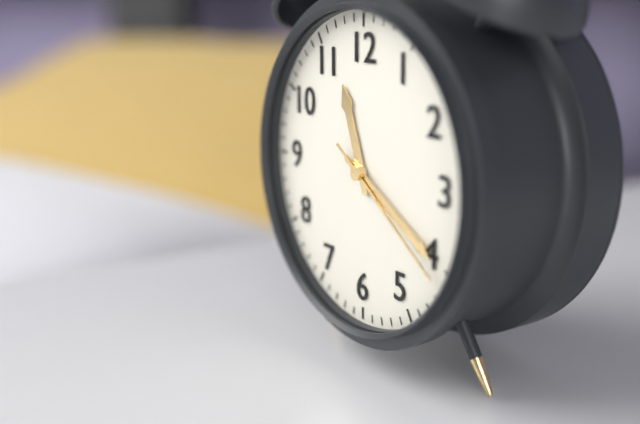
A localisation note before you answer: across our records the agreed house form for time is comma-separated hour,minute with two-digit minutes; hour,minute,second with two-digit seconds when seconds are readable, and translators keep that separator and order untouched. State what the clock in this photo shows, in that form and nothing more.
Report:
11,20,21
